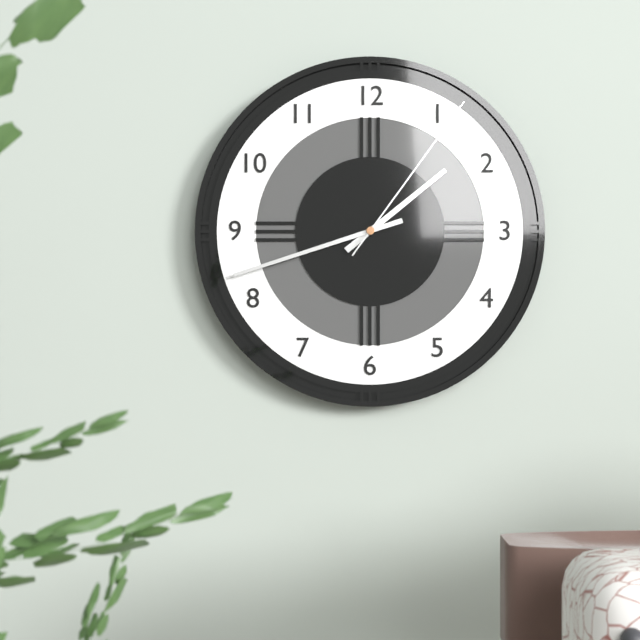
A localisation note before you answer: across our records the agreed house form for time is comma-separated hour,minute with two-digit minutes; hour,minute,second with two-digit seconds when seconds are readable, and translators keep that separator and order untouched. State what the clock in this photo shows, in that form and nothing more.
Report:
1,42,06
